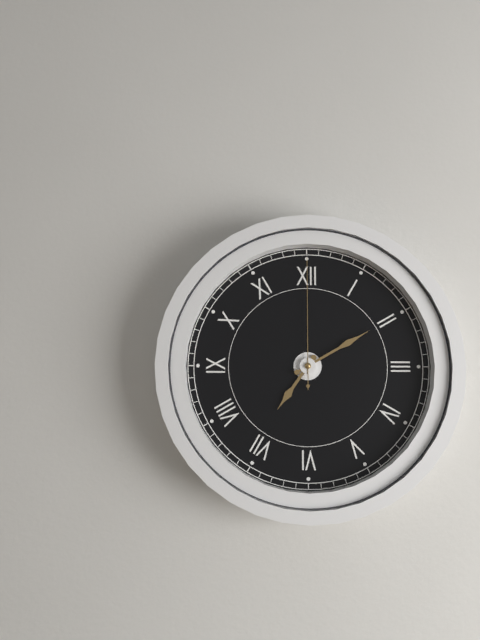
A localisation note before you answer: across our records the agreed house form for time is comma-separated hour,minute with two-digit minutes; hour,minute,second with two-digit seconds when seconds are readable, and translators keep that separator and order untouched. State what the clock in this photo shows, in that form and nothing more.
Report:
7,10,00
